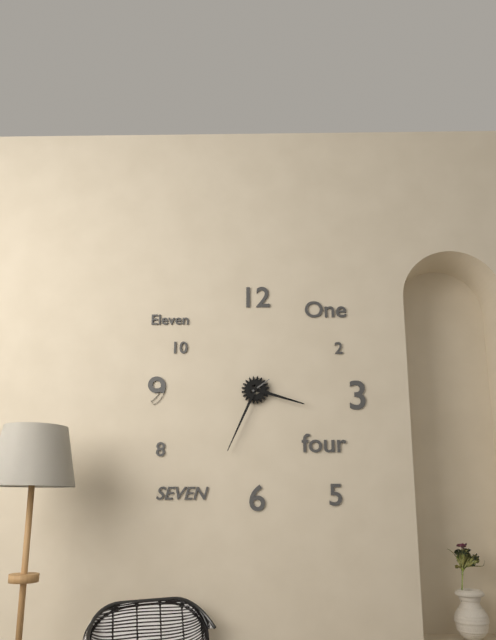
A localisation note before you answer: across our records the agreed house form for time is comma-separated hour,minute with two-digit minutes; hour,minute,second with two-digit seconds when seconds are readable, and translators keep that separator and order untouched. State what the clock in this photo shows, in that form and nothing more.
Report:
3,34
